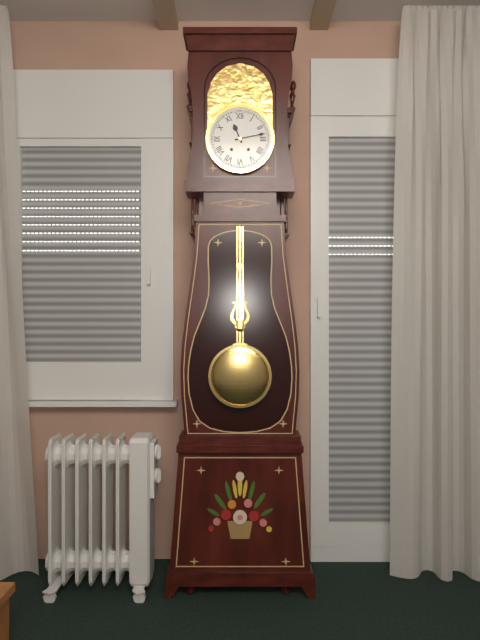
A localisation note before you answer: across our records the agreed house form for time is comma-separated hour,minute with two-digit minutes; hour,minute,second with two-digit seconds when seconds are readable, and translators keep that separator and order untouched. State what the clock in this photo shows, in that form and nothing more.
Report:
11,13
